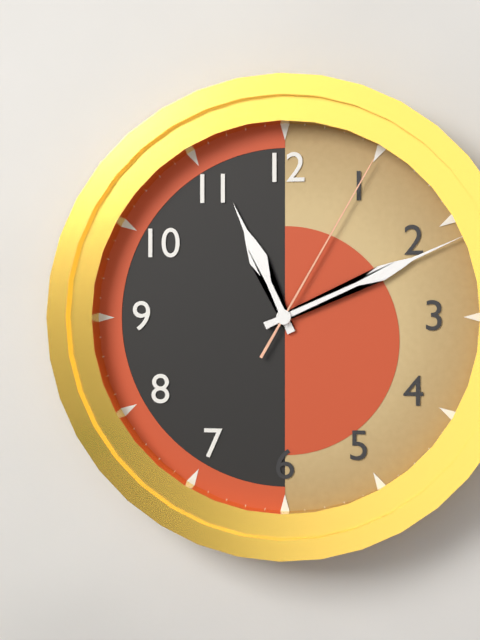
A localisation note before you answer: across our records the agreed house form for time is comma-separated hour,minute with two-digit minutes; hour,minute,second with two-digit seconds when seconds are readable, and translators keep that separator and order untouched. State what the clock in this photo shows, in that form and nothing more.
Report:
11,11,05
